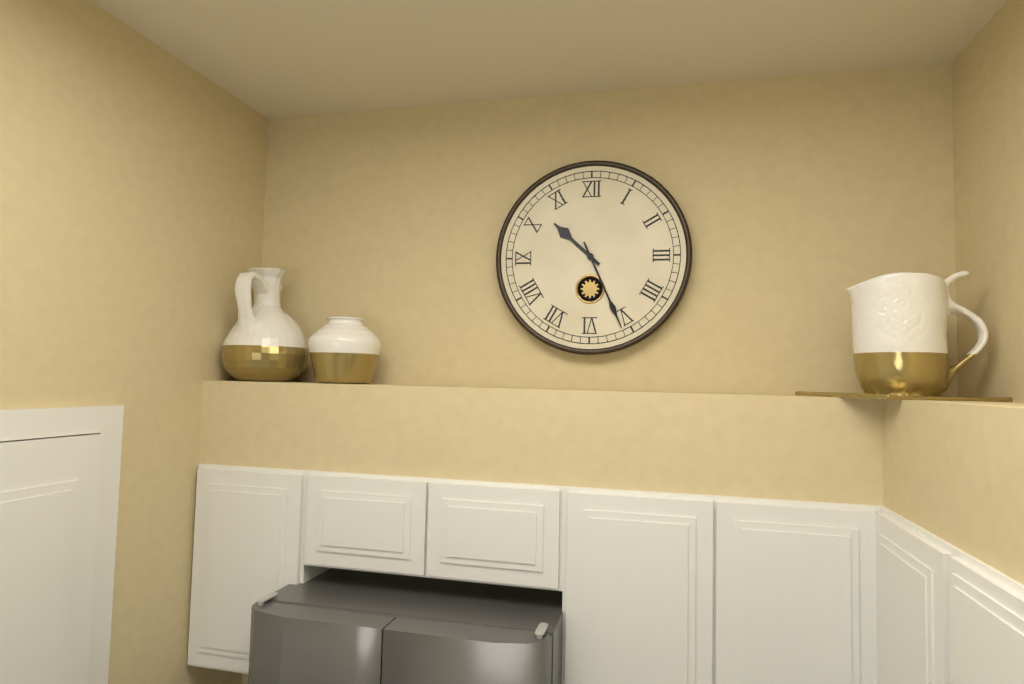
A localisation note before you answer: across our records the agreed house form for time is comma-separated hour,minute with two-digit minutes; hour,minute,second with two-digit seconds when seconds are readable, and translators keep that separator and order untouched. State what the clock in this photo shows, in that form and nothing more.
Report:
10,26
